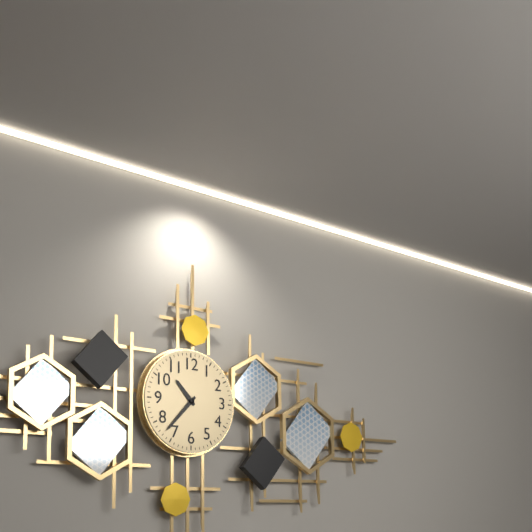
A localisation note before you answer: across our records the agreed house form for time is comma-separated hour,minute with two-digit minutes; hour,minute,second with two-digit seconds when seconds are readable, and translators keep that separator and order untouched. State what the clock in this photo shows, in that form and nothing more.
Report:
10,37
